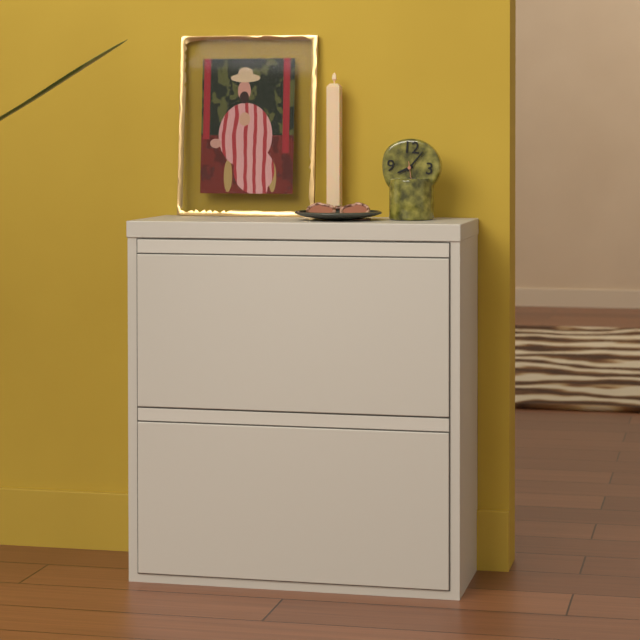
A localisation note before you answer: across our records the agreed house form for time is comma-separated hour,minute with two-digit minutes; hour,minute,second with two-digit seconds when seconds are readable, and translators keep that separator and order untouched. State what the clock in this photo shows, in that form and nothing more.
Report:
8,06
